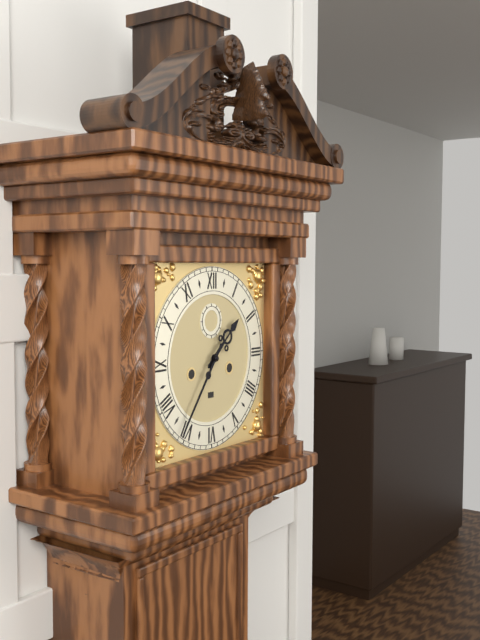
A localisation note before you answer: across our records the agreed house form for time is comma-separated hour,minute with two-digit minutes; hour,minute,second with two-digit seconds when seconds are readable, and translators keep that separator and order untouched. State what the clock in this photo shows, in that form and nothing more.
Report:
1,36
